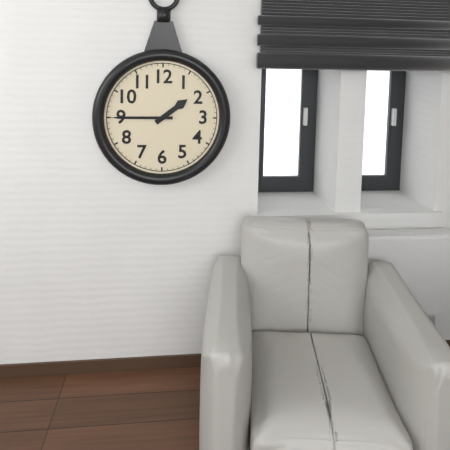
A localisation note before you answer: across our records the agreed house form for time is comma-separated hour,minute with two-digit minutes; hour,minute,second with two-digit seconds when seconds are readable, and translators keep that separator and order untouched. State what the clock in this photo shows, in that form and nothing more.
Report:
1,45
